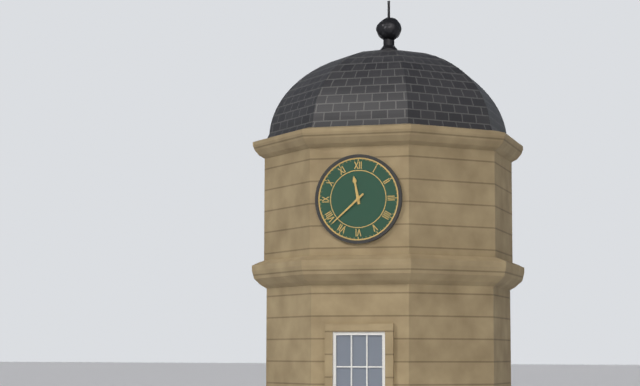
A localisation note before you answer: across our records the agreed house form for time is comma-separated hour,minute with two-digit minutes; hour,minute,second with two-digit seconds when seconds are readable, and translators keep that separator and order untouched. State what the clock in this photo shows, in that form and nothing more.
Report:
11,38
